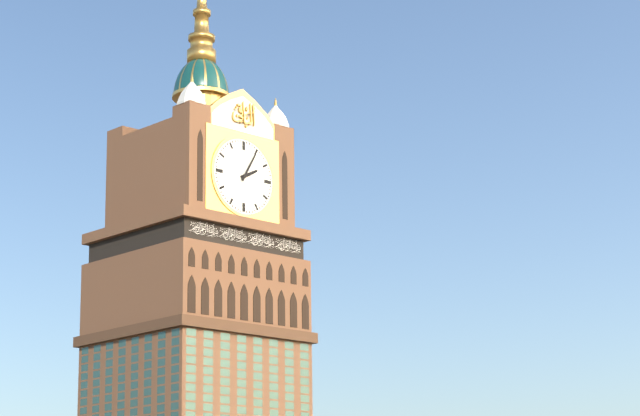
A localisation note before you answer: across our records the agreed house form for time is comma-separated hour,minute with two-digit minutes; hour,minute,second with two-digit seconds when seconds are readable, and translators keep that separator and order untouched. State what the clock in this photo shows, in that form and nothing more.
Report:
2,05
